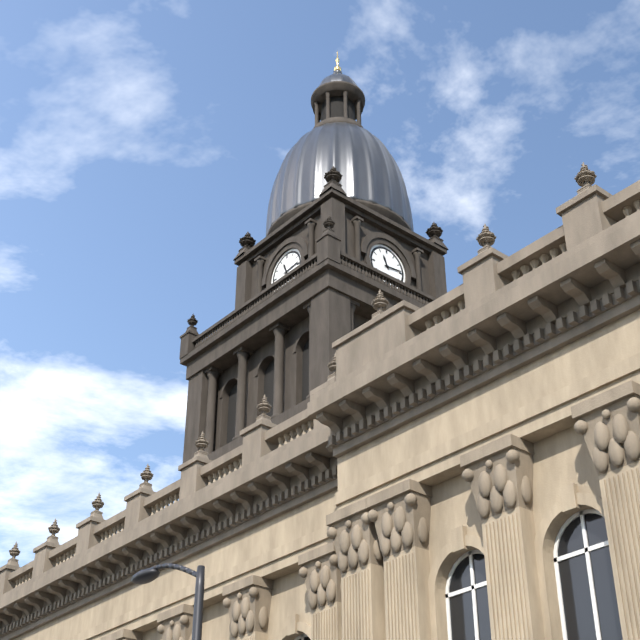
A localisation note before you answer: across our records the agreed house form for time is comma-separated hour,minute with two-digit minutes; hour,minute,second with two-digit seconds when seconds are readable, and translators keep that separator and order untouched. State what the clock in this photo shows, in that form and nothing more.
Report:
11,14
